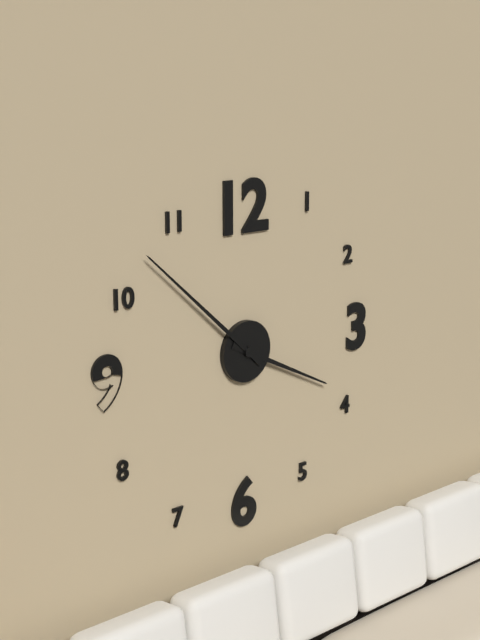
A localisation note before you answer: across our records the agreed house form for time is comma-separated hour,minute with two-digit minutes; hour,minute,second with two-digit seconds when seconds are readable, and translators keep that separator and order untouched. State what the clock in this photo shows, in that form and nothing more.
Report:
3,52
